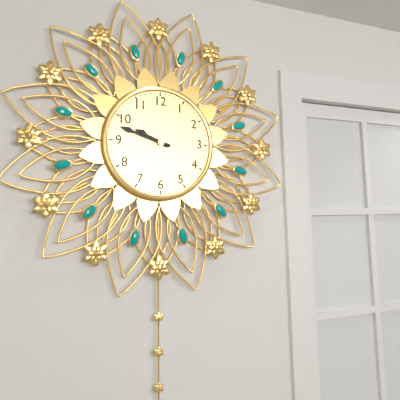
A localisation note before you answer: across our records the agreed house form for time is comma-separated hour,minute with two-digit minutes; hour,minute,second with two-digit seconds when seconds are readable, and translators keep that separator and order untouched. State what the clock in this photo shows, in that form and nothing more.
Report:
9,48
